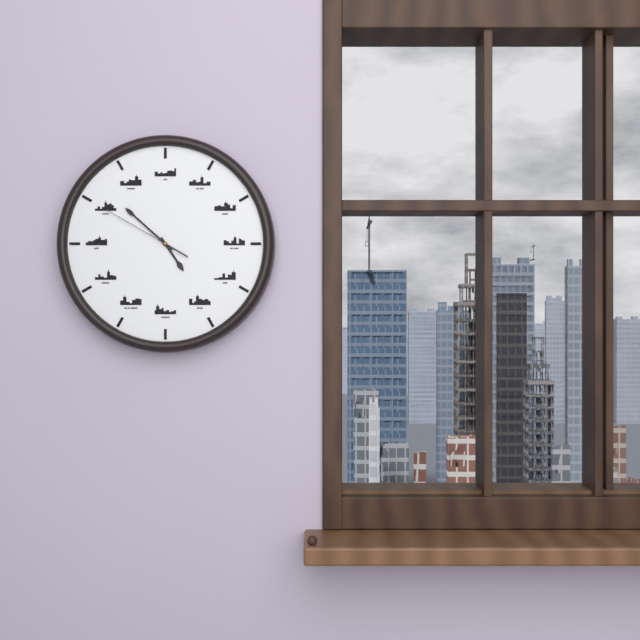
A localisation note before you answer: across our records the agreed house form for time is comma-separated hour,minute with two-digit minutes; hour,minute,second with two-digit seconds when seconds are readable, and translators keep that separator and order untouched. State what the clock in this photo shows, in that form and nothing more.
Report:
4,52,50
